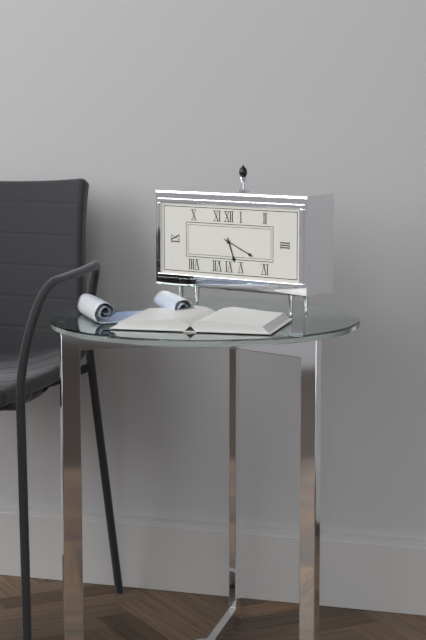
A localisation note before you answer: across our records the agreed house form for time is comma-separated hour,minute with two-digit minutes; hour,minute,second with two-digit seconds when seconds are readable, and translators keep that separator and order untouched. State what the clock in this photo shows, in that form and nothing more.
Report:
5,19
